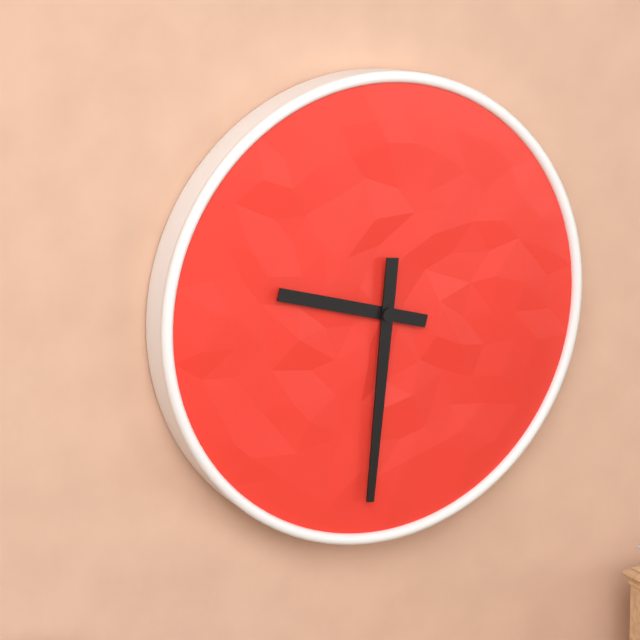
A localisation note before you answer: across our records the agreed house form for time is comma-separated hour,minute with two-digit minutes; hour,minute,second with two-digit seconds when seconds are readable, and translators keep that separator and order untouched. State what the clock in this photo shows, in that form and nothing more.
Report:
9,31
